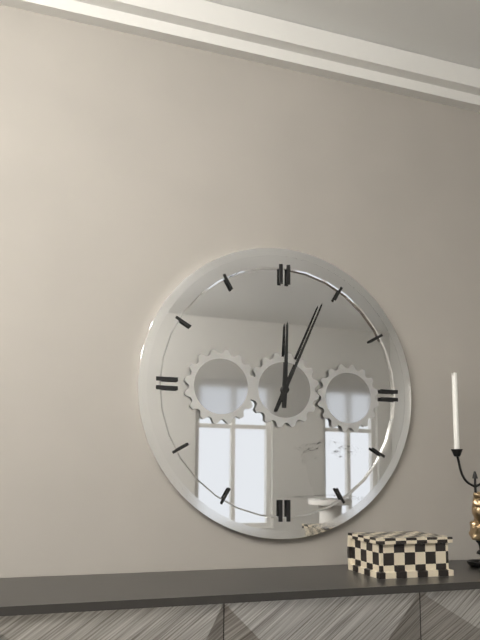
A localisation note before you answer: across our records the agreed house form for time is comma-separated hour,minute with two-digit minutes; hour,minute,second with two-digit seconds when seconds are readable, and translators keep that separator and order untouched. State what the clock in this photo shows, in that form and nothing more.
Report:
12,04
